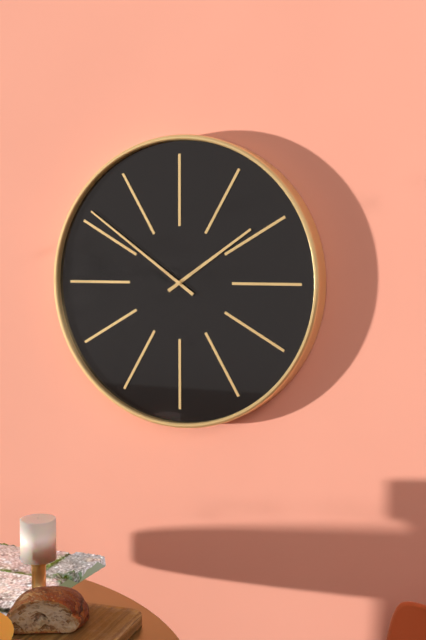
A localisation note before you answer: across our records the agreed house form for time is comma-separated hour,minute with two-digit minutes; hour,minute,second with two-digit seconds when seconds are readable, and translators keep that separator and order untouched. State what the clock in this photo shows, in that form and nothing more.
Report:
1,51
